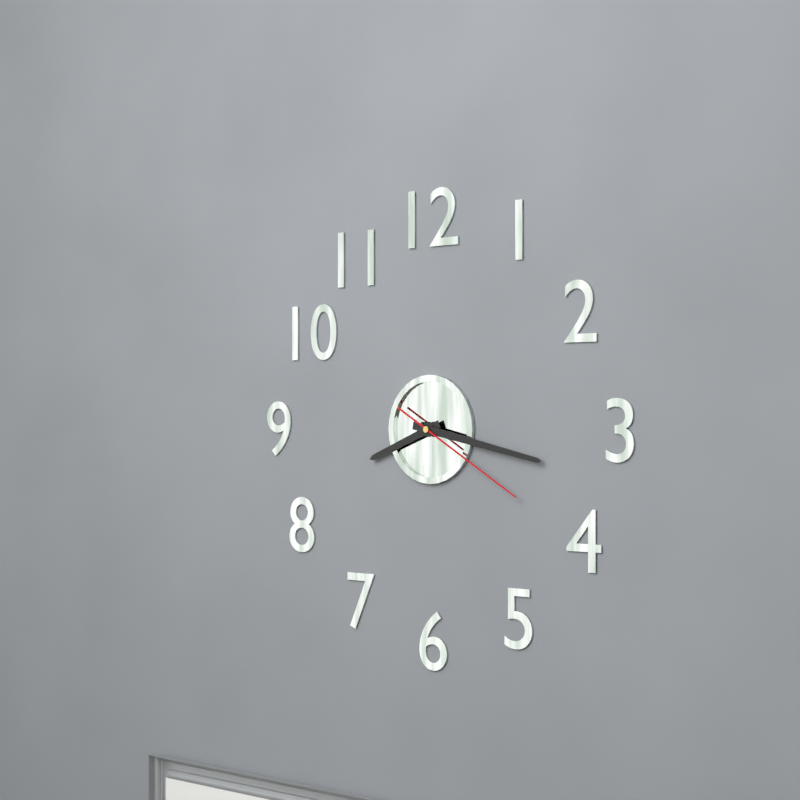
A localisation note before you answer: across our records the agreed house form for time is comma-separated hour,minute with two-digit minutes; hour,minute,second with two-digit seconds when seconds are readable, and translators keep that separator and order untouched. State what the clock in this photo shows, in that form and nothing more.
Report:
8,17,20
